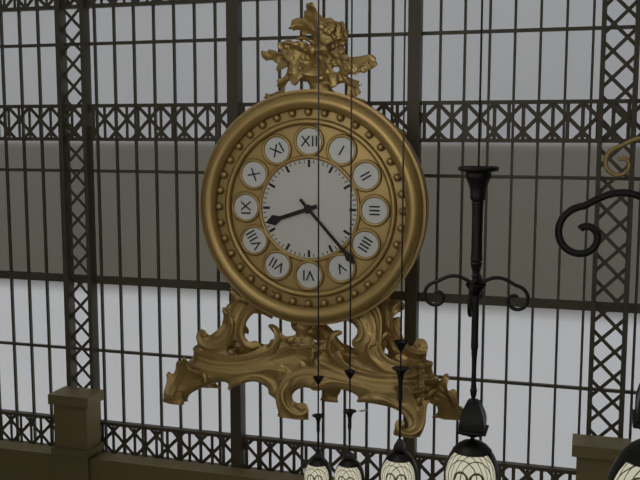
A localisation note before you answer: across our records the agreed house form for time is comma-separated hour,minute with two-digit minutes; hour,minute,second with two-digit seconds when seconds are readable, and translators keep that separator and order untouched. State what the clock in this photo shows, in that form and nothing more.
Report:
8,23
